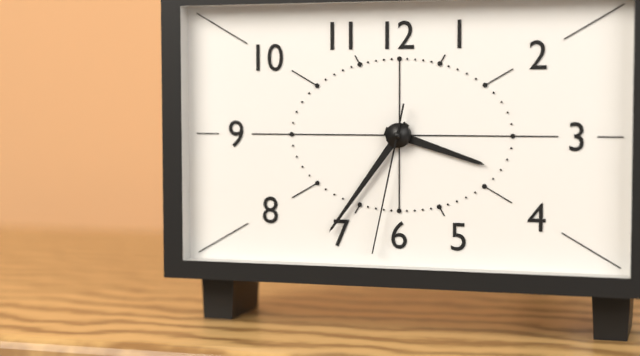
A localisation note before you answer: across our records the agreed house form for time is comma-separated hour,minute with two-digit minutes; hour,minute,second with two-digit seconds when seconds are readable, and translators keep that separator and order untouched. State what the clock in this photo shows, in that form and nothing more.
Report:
3,36,32
